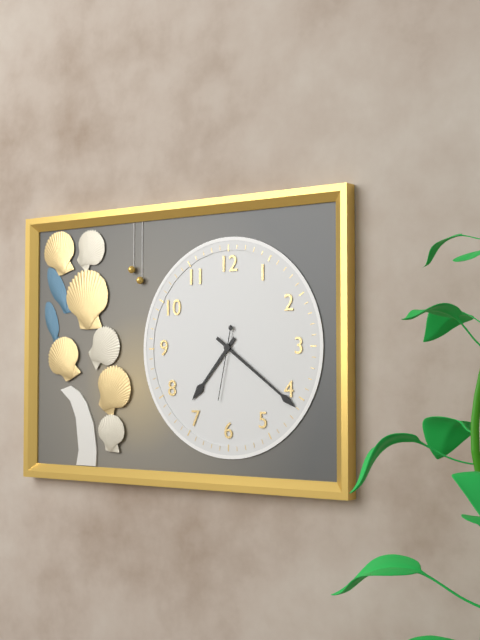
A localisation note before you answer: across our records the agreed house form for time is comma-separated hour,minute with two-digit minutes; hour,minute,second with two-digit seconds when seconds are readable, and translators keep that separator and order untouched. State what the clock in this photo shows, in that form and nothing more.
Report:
7,21,32
